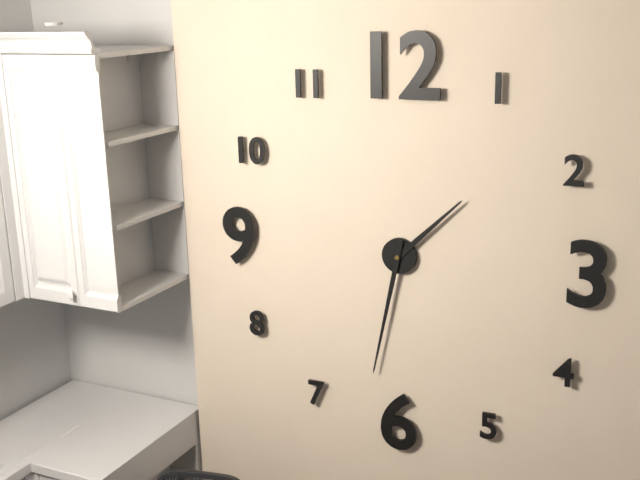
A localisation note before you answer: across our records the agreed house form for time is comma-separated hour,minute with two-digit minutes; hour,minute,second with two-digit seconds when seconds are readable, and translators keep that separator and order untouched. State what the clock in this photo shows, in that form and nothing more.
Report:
1,32
